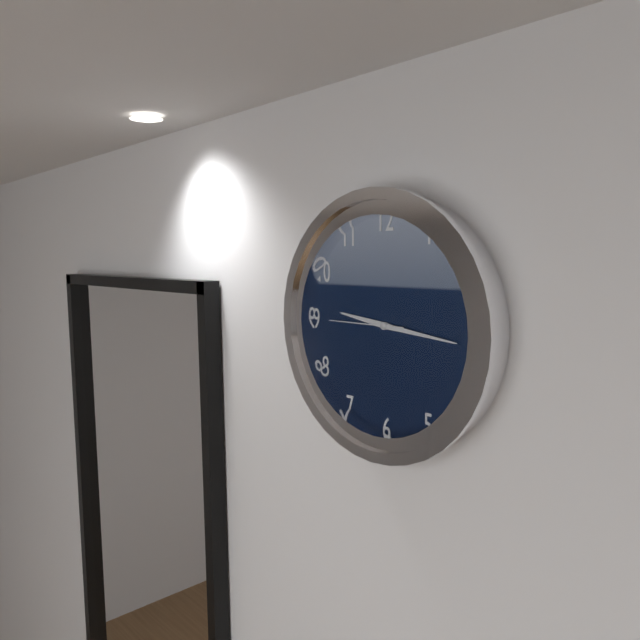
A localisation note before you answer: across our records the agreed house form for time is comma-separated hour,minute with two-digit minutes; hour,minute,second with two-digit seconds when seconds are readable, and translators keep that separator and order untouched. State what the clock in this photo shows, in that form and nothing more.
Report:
9,16,45
